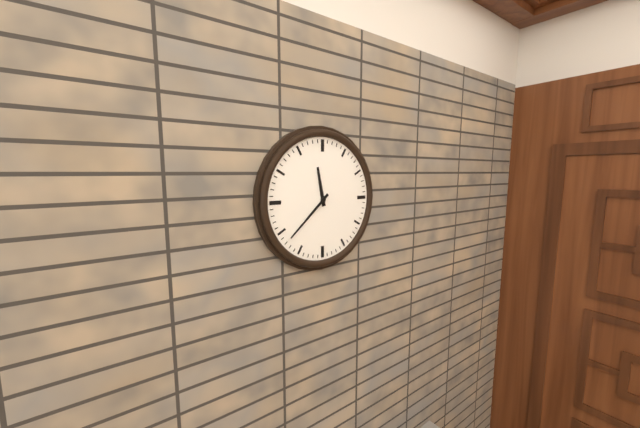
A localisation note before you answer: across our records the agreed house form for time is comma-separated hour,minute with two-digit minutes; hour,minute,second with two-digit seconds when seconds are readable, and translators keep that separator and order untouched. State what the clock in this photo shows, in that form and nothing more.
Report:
11,38
